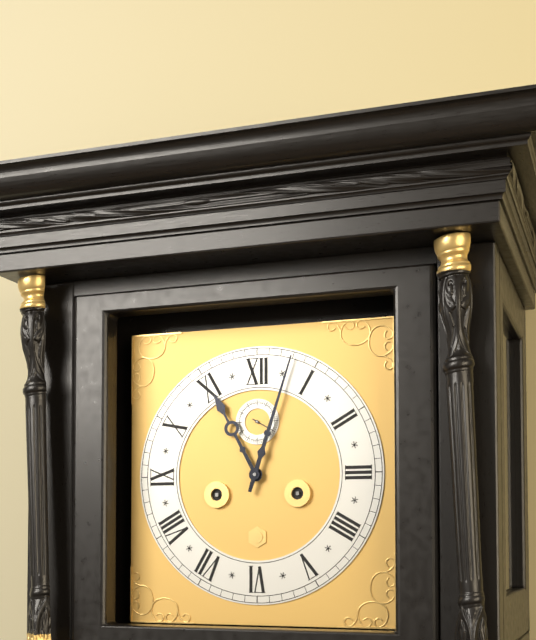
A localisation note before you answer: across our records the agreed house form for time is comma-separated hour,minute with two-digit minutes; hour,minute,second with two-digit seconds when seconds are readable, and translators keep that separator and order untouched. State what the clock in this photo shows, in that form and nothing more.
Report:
11,03
